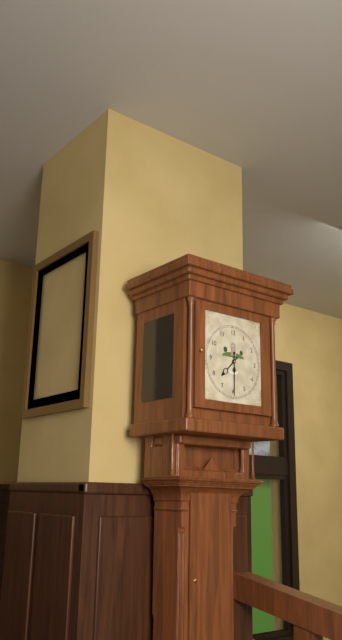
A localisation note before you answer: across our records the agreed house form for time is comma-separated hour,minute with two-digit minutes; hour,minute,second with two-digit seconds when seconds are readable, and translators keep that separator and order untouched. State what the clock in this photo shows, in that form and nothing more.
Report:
7,30
